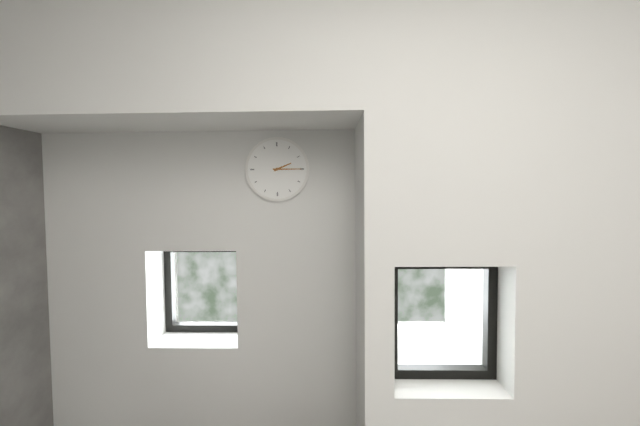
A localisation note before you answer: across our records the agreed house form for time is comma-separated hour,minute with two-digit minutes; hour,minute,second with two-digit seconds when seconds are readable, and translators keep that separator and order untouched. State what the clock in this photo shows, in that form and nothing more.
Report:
2,15
